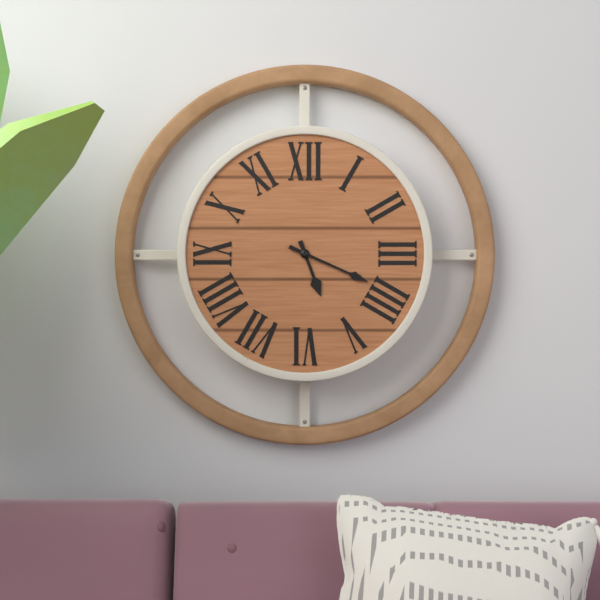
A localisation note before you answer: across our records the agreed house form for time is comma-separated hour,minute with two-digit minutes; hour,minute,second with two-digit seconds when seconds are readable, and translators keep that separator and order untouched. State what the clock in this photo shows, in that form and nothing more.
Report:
5,19
